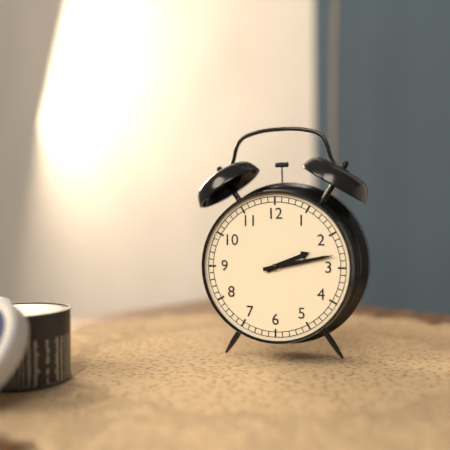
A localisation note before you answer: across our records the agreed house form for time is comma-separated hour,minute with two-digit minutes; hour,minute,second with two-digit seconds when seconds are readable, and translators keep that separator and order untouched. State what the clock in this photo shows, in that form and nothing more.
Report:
2,13
